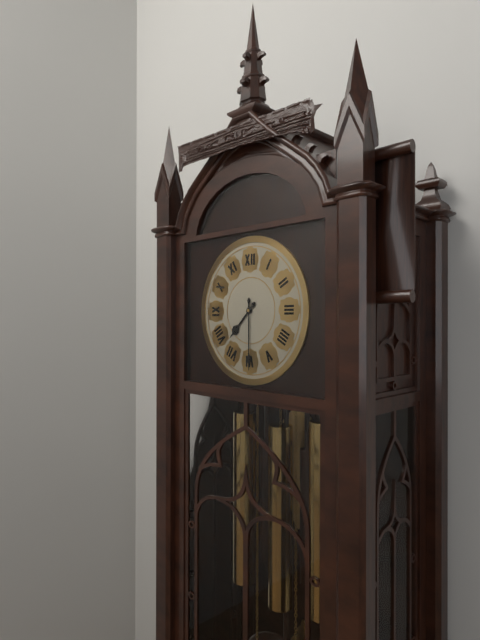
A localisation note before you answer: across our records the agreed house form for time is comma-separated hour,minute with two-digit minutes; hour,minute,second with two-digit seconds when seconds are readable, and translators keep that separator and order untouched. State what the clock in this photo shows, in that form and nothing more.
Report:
7,30
